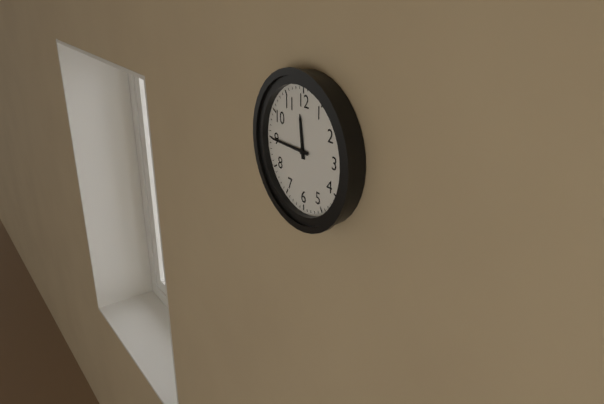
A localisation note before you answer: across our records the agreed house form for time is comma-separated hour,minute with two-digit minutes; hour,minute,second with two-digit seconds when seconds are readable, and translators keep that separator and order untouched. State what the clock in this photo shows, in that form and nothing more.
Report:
11,45
